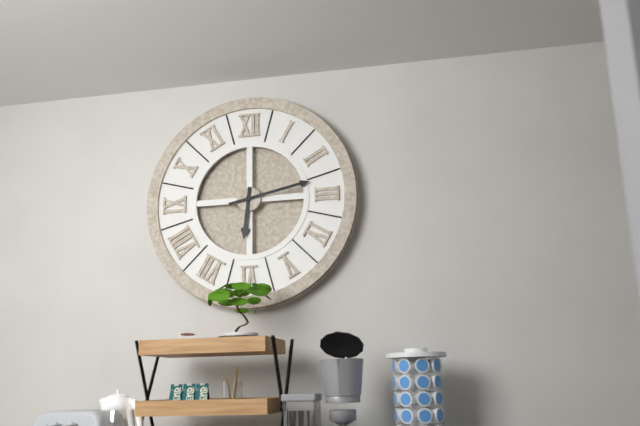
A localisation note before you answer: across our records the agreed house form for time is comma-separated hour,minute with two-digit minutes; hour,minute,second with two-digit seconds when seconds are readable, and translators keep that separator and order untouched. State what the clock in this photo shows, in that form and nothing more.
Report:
6,13
